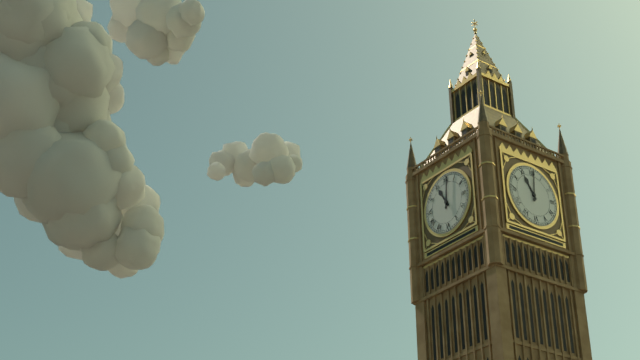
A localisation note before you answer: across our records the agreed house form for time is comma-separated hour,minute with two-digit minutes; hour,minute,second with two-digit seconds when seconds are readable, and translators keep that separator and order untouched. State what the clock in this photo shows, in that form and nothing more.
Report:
11,01
